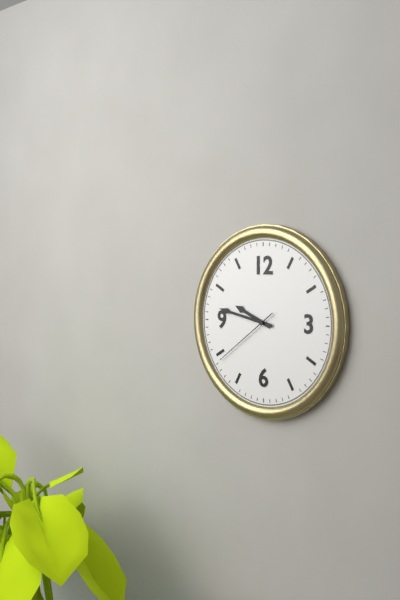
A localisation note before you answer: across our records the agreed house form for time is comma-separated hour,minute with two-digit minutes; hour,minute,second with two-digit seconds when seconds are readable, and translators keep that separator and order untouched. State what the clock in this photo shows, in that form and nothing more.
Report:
9,47,39
